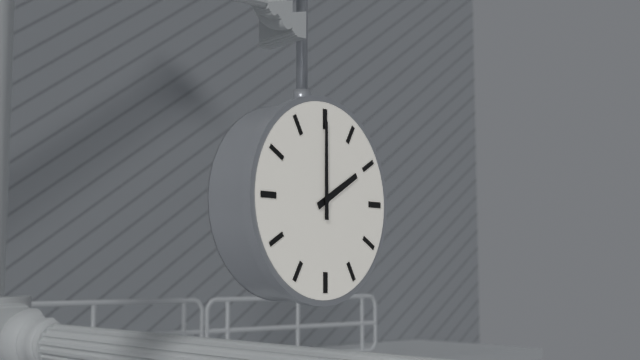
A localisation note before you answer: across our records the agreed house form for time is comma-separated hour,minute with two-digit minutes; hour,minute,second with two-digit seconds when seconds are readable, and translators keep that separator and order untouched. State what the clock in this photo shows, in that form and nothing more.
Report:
2,00
